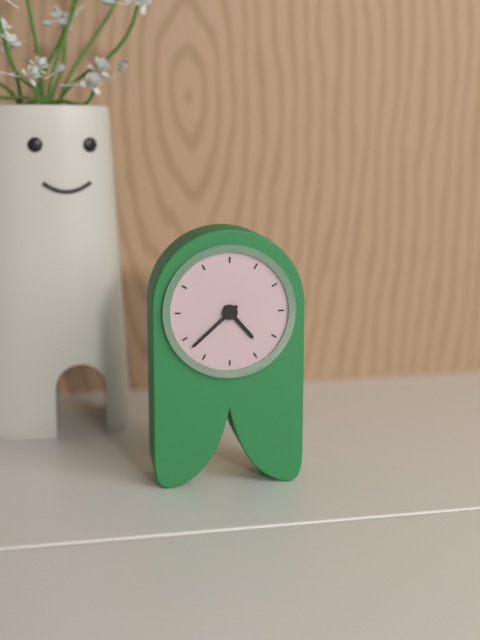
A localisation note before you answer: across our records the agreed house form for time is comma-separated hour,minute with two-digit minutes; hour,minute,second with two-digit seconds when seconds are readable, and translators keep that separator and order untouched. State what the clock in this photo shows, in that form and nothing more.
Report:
4,38
